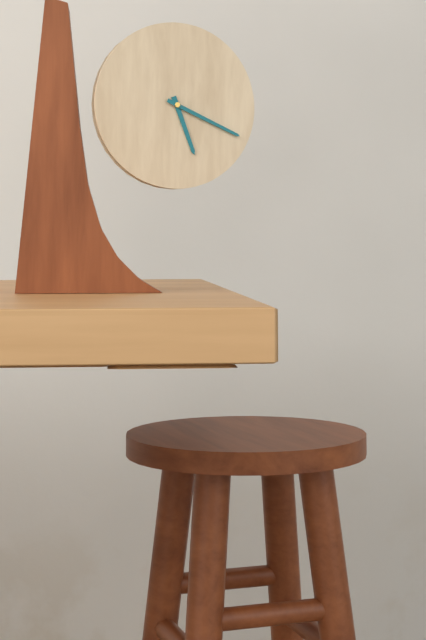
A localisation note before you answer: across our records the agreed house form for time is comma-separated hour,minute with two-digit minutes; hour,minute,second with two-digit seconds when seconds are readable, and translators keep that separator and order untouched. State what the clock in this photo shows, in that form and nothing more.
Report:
5,19
